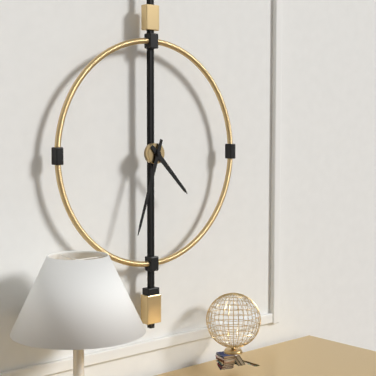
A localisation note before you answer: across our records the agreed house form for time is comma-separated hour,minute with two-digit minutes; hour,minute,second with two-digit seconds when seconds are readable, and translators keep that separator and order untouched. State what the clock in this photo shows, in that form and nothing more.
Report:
4,33
